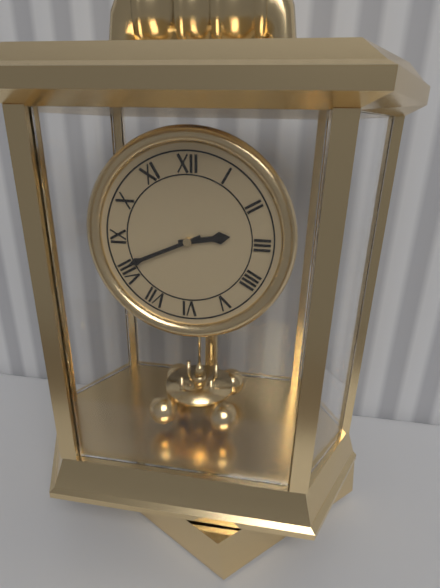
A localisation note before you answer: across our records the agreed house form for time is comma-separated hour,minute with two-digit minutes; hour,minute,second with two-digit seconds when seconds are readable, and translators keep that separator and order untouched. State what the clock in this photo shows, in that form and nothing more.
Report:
2,41
